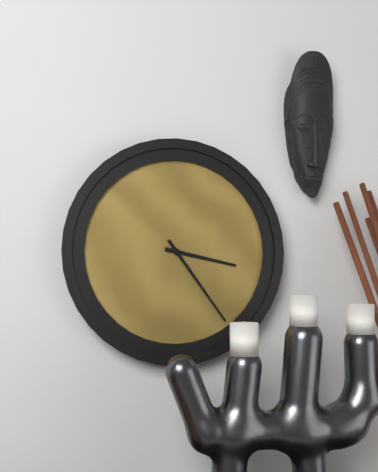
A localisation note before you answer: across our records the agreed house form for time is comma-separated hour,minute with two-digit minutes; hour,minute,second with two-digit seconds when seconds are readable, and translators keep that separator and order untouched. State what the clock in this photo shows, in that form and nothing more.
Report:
3,24
